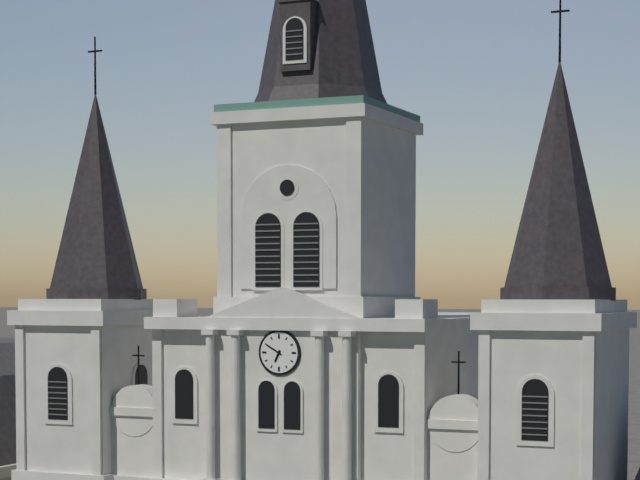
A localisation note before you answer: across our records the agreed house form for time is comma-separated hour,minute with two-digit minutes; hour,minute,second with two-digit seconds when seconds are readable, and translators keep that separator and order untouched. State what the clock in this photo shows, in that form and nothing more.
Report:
6,50
